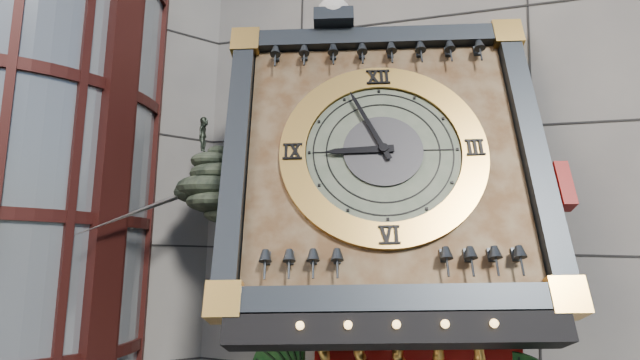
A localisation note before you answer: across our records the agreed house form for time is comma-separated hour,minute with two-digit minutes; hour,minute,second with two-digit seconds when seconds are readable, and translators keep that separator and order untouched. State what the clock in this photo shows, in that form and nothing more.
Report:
8,56
